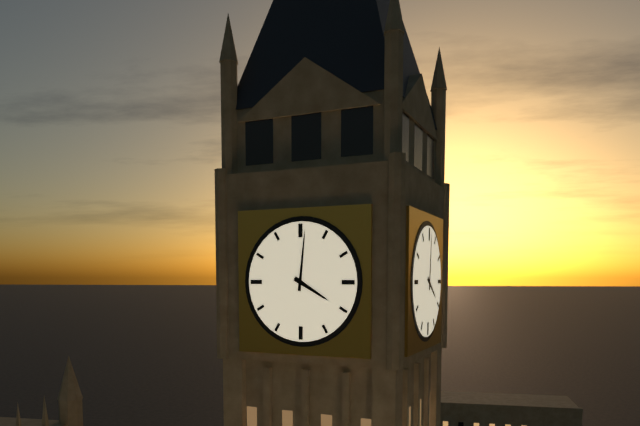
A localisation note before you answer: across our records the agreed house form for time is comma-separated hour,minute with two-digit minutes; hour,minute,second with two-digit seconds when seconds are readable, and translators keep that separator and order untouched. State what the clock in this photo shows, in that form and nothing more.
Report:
4,01
